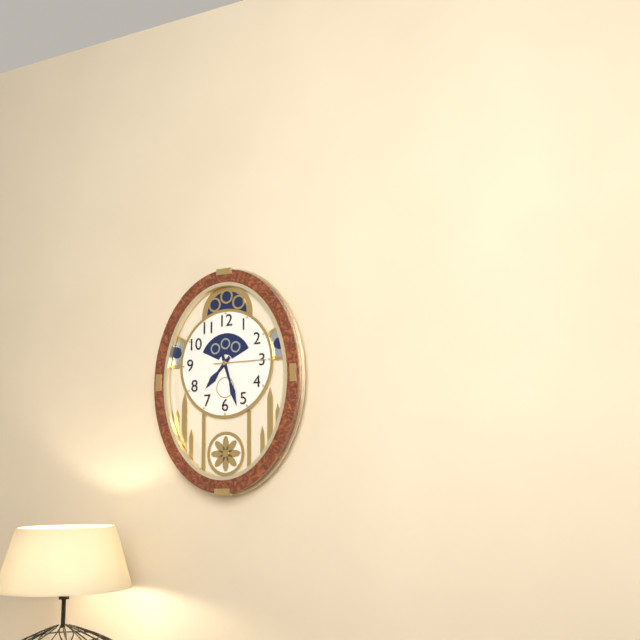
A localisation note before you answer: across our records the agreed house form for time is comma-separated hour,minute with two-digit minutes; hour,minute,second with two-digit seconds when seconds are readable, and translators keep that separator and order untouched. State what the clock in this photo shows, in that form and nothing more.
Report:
7,27
